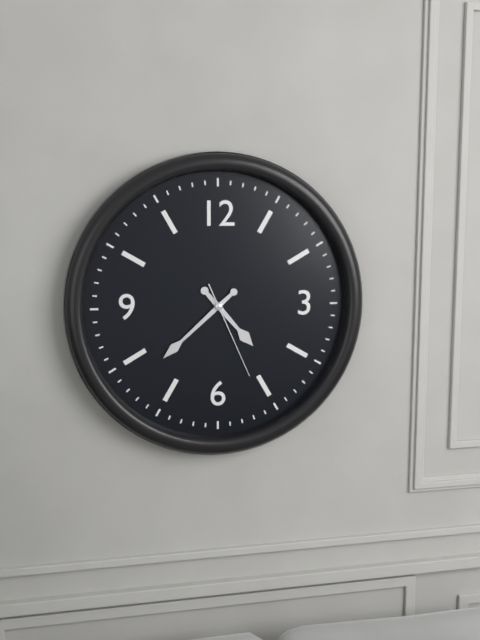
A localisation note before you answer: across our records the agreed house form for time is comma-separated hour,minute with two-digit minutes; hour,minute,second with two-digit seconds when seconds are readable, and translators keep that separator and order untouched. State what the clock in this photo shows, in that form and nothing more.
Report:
4,38,26
